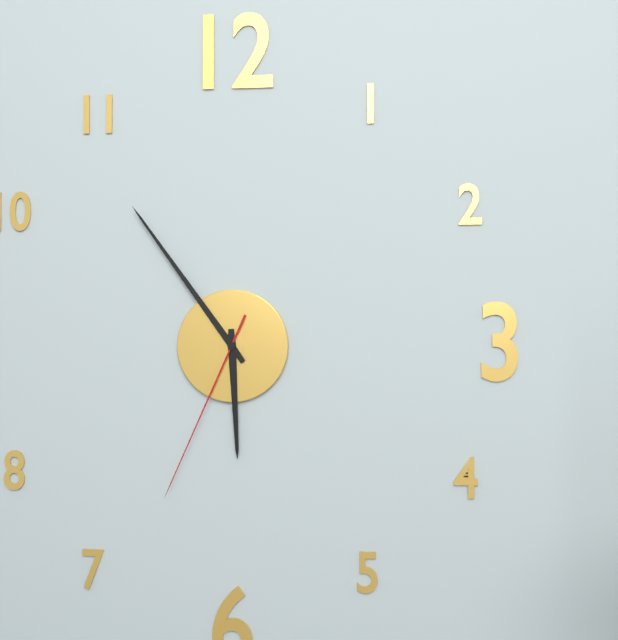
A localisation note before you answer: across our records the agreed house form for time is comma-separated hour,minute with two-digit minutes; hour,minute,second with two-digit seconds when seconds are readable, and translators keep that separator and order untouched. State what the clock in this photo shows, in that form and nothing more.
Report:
5,54,34
